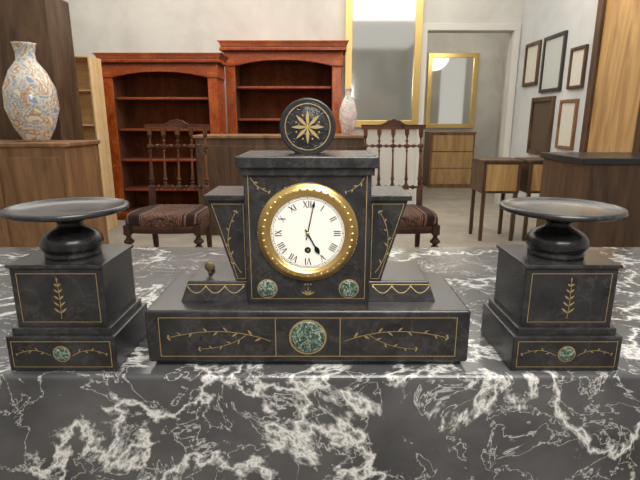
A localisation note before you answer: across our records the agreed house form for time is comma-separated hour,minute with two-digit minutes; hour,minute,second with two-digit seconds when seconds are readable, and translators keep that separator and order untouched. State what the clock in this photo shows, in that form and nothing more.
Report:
5,02
